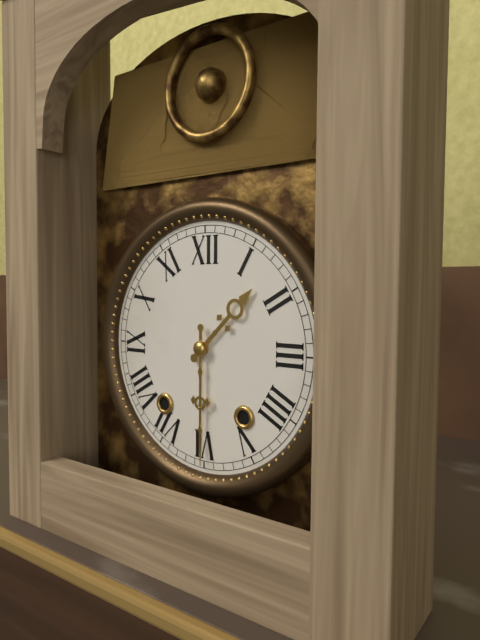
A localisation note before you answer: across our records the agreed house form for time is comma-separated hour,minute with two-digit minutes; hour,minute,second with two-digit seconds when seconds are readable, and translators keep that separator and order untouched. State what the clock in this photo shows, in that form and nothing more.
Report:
1,30
